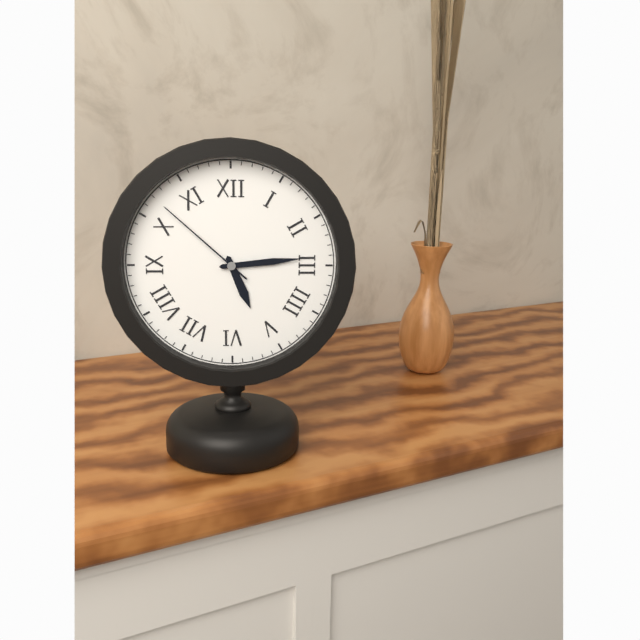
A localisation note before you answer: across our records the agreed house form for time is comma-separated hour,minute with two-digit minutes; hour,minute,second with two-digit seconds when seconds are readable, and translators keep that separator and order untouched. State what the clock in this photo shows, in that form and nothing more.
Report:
5,14,52
